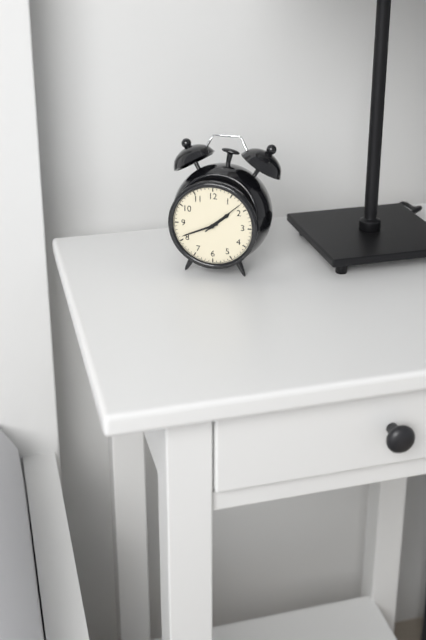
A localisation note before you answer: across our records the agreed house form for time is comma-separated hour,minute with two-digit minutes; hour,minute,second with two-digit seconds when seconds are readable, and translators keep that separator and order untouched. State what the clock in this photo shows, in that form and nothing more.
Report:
1,41
